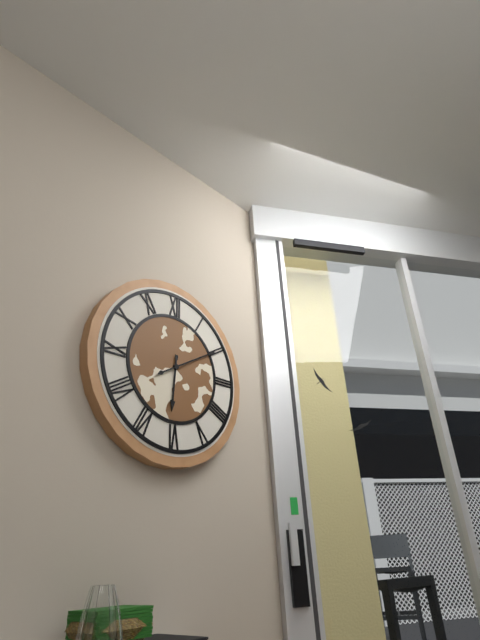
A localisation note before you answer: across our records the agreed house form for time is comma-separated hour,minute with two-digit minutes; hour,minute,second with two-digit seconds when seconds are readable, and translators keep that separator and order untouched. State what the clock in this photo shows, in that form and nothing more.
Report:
6,10
